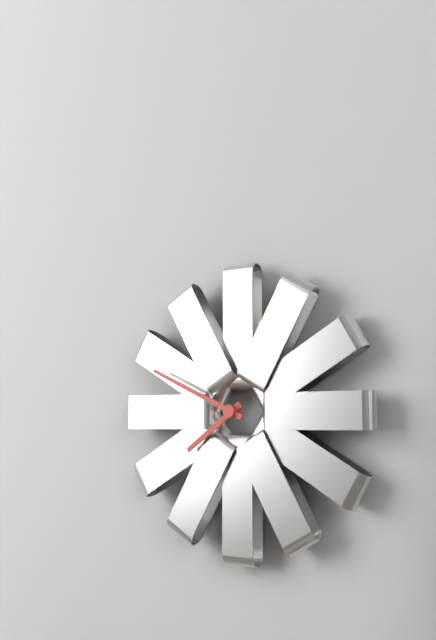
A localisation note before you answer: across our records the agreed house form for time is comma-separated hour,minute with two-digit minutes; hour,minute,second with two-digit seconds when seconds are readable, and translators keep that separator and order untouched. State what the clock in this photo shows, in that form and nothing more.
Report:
7,49
